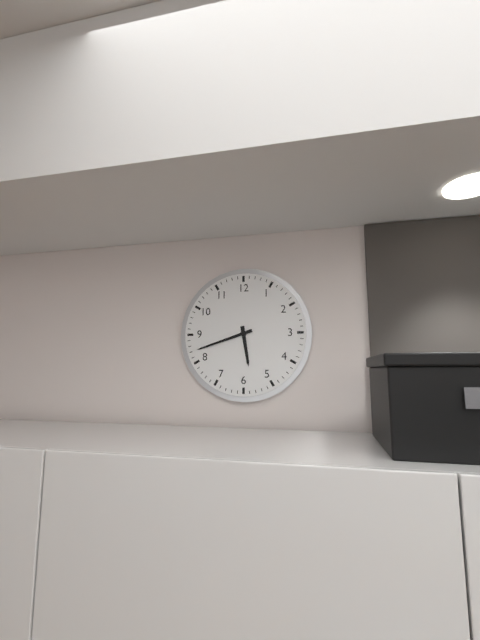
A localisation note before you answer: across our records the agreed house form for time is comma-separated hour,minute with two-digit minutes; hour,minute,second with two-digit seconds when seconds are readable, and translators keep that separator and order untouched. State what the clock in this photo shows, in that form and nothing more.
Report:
5,42
